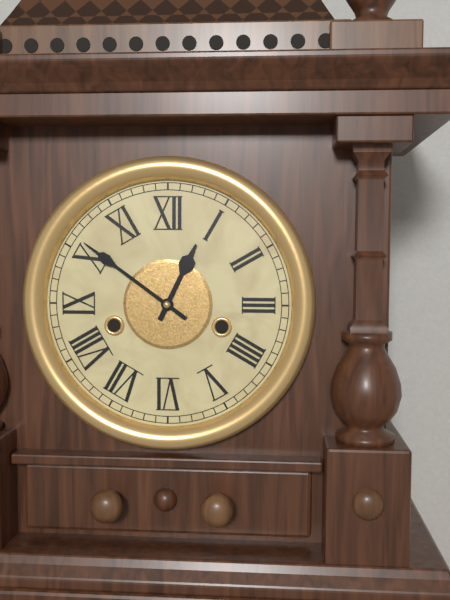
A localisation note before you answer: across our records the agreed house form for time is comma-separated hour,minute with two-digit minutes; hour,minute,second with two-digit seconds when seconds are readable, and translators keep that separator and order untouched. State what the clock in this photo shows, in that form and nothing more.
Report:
12,51
